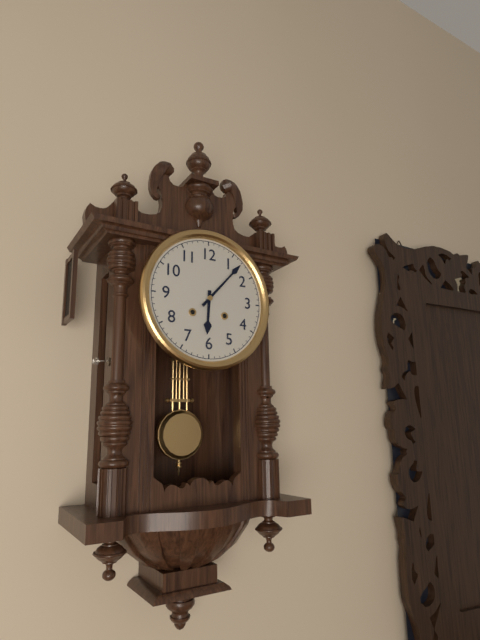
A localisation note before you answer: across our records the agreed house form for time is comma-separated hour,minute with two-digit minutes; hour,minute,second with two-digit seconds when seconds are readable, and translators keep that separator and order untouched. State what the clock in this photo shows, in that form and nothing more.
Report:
6,07
